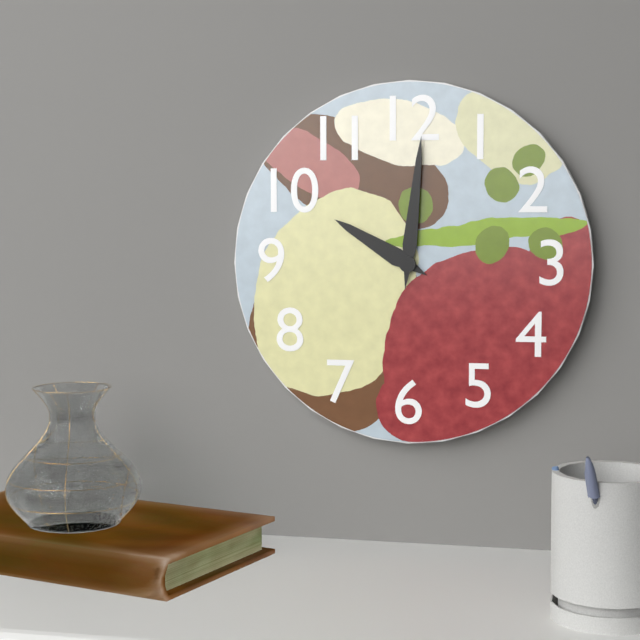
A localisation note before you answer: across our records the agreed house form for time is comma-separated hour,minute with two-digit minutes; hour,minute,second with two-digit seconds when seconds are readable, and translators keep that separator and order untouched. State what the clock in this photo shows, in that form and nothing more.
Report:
10,01
